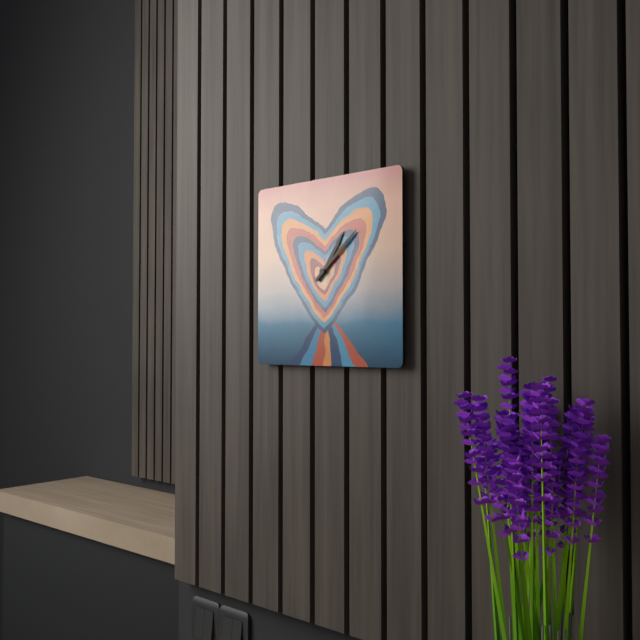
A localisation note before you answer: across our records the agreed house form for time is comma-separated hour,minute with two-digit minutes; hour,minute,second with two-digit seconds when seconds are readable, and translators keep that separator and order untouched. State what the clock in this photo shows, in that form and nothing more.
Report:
1,08
